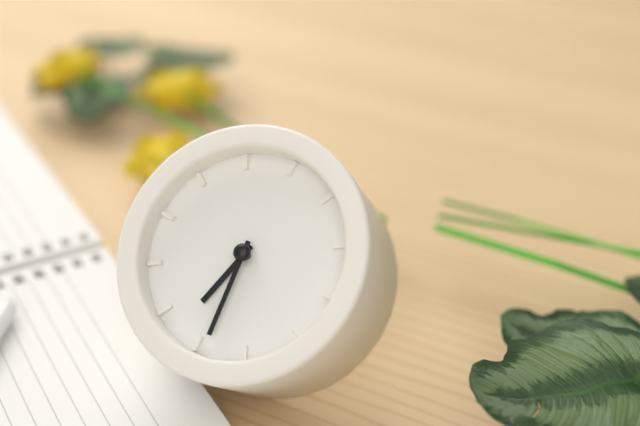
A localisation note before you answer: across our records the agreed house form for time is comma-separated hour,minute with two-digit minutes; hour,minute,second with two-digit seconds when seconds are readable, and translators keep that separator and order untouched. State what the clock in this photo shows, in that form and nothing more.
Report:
6,29
